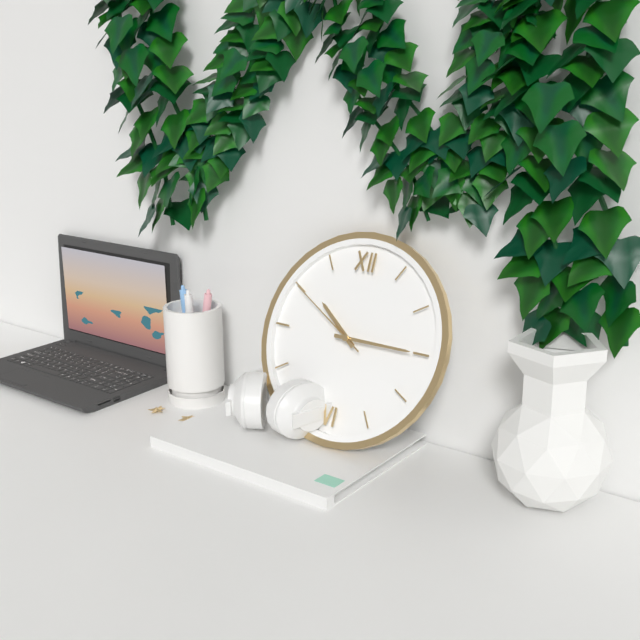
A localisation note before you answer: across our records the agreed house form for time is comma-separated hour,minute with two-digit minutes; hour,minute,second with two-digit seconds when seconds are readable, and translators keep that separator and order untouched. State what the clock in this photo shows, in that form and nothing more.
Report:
10,15,50
